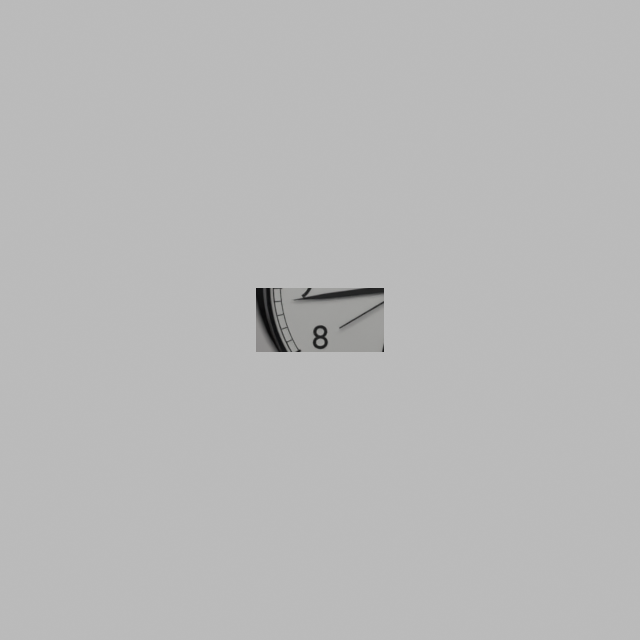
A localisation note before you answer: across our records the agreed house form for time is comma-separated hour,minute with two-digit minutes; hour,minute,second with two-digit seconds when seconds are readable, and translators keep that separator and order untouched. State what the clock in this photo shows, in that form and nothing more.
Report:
6,44,40
